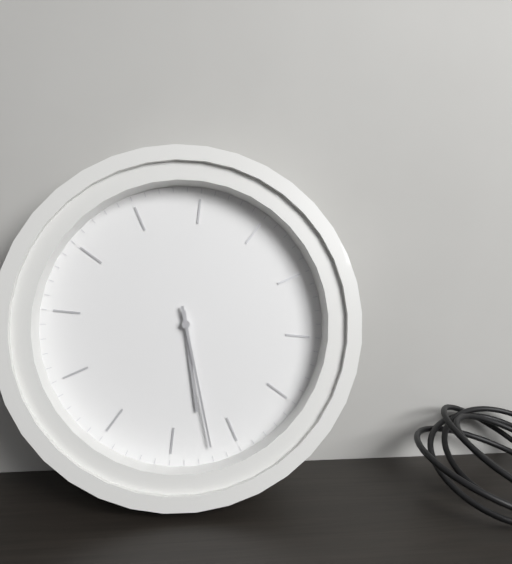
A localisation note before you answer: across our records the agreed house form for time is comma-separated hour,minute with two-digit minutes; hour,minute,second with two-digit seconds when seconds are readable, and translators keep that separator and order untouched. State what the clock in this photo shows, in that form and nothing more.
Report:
6,32
